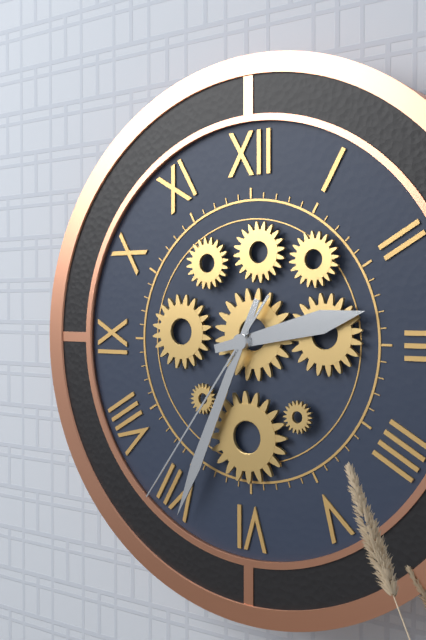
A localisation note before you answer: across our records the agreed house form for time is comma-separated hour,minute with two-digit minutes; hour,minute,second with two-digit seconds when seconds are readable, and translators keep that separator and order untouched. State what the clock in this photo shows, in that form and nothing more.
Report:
2,34,36
